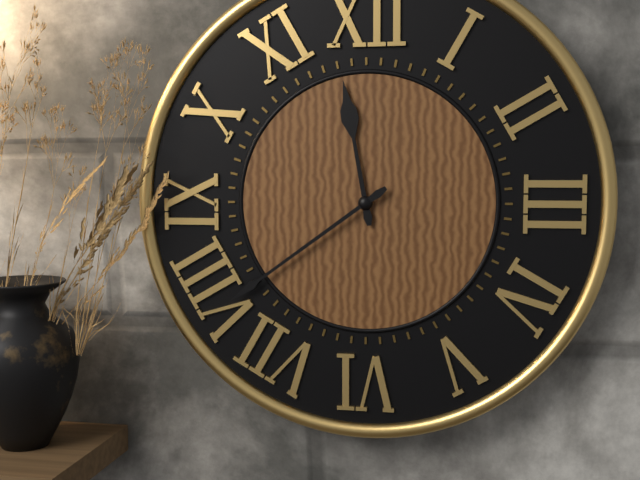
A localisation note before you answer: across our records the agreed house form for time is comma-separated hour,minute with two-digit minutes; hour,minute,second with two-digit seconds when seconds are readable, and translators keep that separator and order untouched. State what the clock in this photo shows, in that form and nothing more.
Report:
11,39
